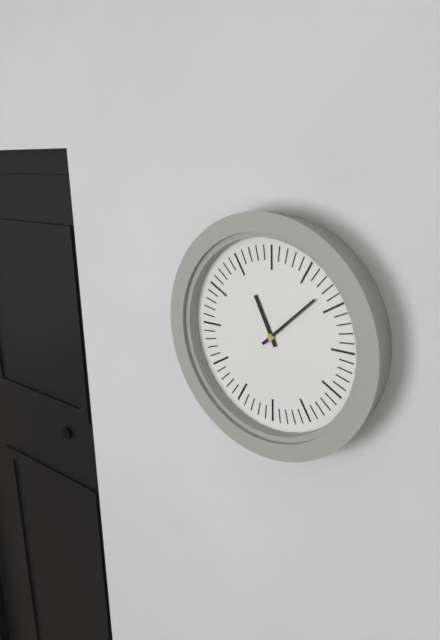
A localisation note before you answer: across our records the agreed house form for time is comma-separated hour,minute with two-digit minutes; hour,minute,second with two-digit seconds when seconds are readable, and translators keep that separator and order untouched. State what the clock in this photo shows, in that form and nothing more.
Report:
11,08
